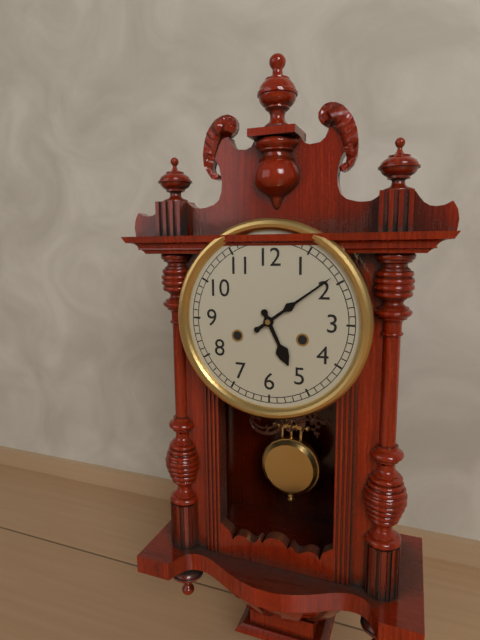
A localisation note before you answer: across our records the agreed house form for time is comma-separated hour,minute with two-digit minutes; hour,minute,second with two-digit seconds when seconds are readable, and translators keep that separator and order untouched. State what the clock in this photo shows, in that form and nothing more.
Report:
5,09
